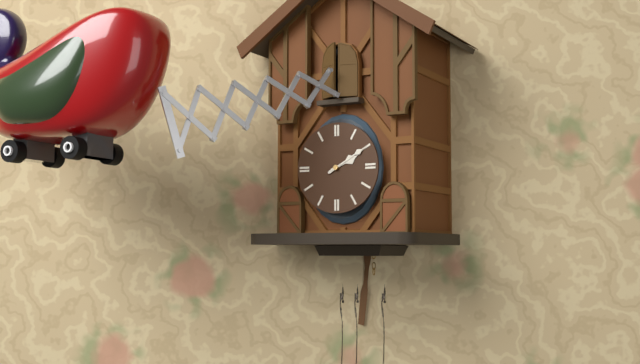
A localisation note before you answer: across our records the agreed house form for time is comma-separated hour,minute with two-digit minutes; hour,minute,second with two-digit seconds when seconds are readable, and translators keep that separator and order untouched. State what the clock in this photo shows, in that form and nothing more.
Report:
2,10
